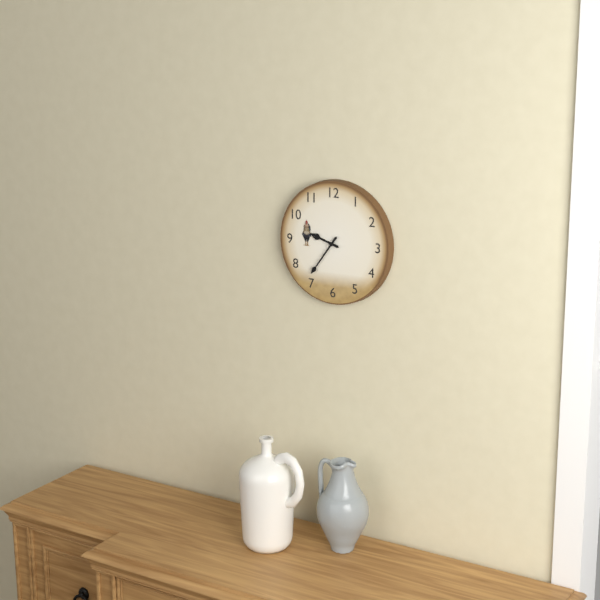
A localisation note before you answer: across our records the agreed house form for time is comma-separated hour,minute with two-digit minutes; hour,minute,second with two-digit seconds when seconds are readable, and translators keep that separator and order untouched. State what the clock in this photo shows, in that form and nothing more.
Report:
9,36
